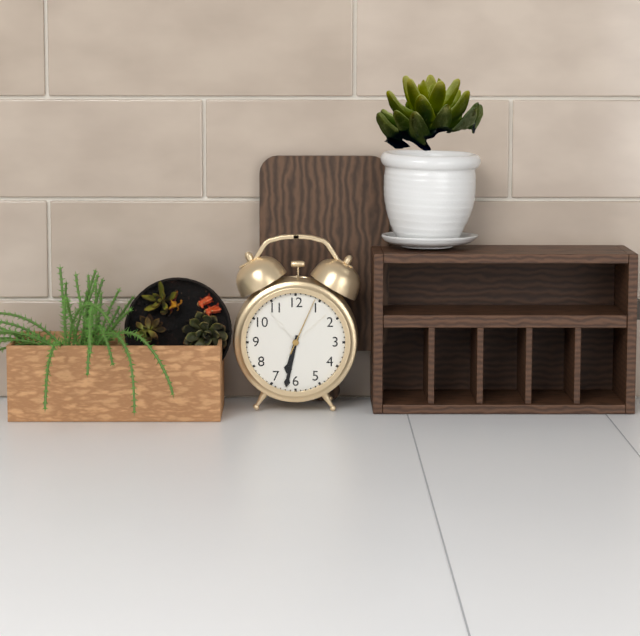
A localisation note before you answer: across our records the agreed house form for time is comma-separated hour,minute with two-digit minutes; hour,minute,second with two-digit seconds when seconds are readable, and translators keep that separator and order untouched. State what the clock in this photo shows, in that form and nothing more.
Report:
6,32,04
